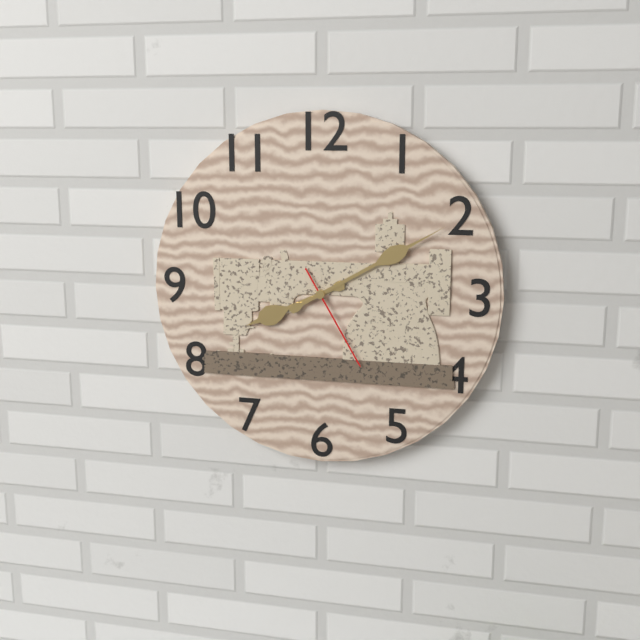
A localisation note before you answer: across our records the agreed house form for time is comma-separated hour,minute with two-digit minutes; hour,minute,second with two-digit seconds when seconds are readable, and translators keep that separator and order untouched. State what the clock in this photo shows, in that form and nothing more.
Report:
8,10,25
